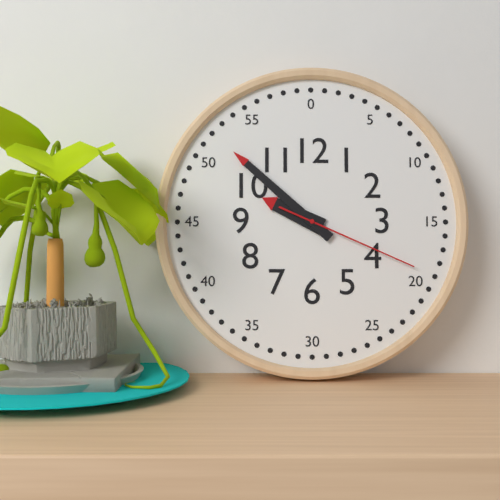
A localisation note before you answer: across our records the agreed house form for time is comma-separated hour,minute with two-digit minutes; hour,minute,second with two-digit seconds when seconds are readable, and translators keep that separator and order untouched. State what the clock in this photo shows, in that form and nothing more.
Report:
9,52,19
